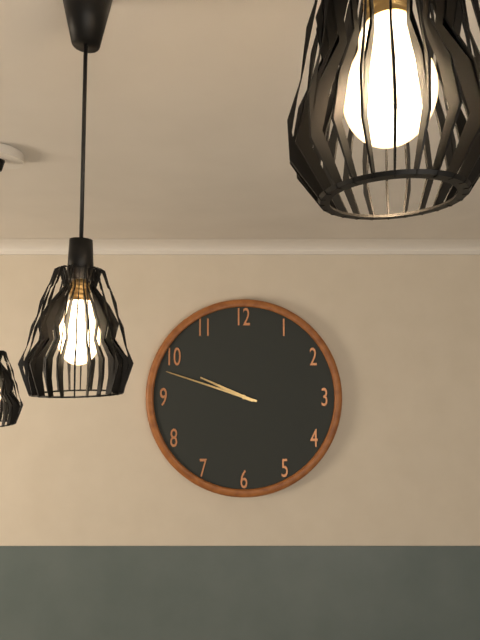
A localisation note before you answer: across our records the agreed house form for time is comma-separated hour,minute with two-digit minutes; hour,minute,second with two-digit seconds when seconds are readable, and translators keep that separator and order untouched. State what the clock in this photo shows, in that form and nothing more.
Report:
9,48
